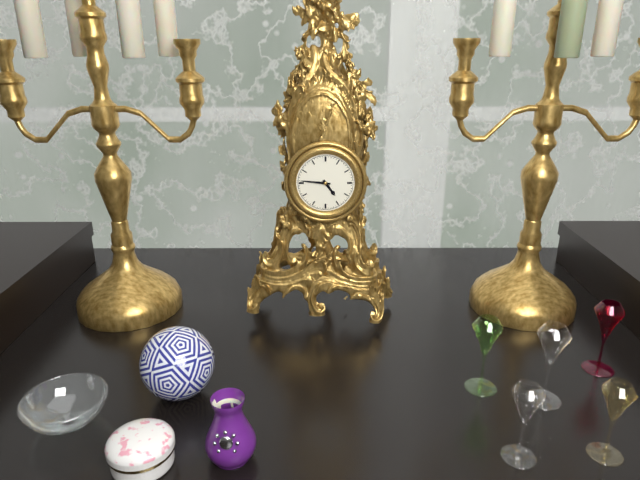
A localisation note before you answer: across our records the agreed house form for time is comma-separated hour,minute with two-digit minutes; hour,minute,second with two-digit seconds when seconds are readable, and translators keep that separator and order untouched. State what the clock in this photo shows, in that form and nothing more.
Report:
4,46
